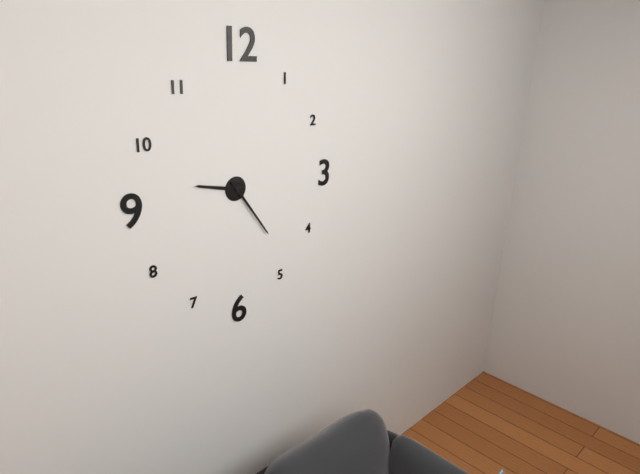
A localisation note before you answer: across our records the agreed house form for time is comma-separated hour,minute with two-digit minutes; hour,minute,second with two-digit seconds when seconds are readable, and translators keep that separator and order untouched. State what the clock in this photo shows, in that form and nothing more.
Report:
9,24
